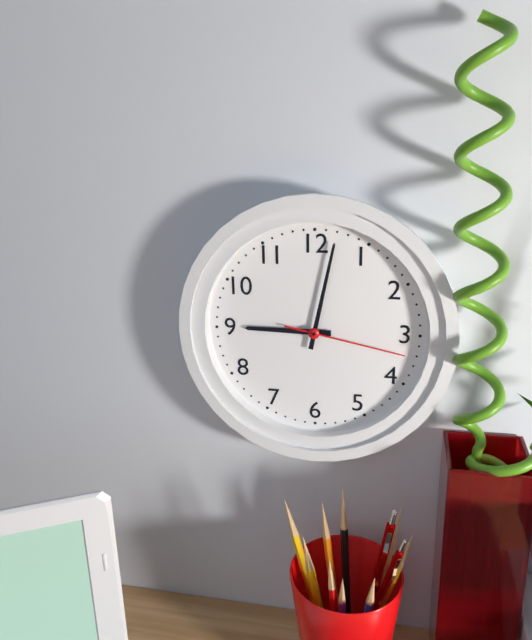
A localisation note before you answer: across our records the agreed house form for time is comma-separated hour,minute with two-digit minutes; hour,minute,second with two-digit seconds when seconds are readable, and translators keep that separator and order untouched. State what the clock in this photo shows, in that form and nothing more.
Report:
9,02,17
